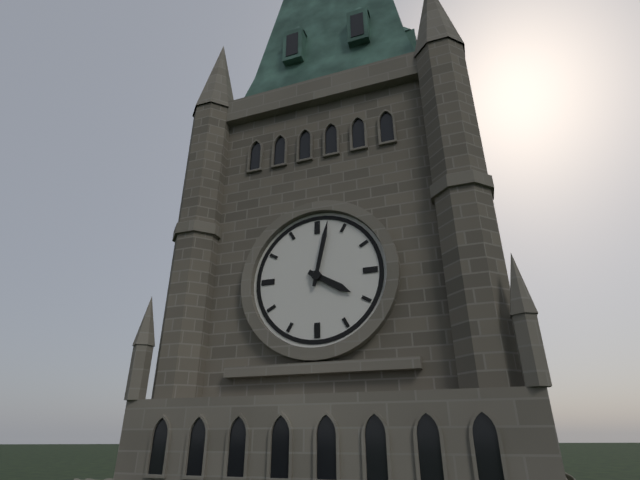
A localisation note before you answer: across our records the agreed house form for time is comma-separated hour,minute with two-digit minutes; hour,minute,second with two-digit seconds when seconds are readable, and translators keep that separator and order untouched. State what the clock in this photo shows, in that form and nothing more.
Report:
4,02
